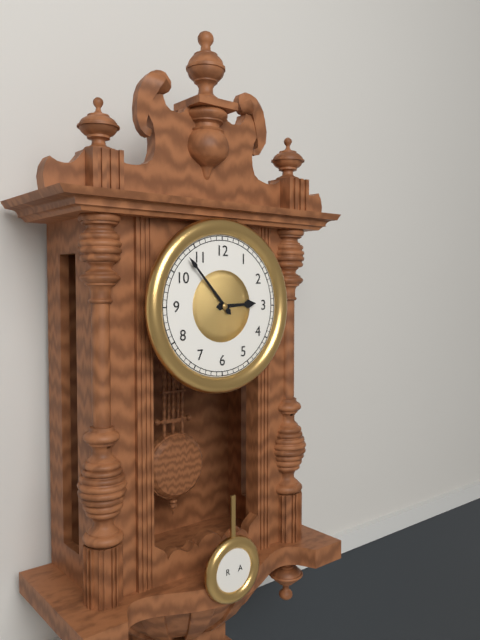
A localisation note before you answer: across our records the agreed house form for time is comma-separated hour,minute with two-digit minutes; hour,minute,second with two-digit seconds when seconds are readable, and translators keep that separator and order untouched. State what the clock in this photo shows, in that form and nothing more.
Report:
2,53
